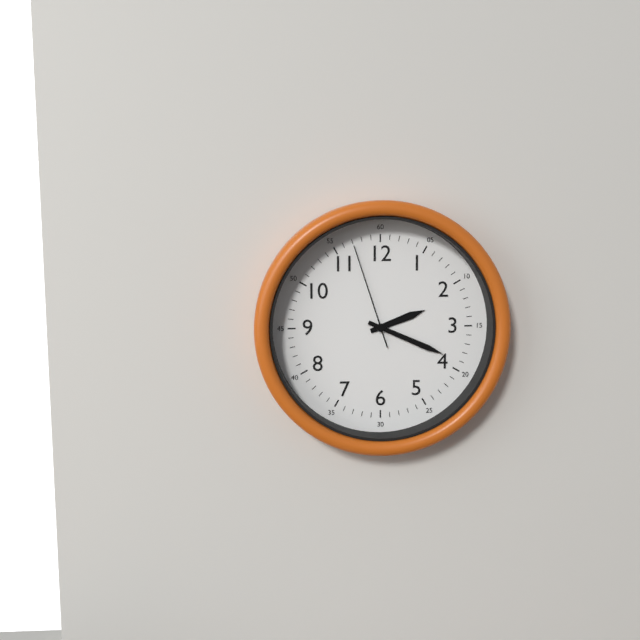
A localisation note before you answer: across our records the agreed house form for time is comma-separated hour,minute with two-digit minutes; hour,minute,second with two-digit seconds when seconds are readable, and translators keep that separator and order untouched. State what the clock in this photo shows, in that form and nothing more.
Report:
2,19,57
